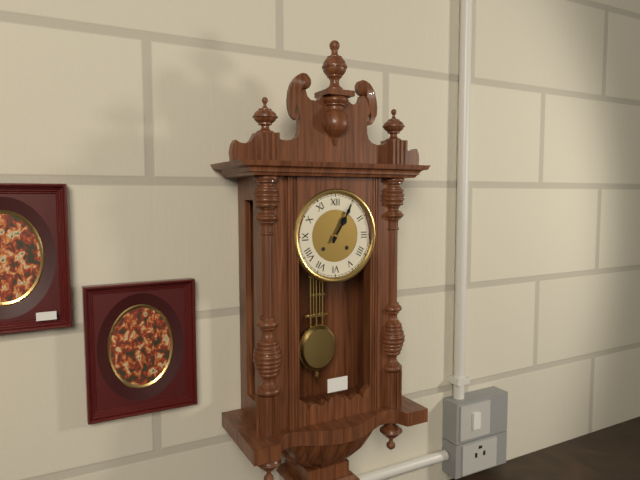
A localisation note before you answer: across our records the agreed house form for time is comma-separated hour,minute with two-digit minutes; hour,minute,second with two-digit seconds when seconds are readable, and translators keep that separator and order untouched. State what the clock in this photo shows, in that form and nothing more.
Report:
1,05
